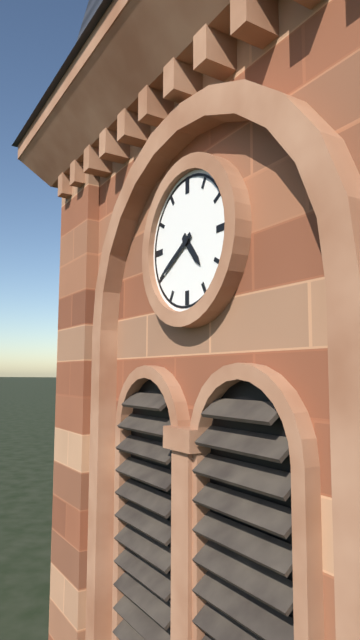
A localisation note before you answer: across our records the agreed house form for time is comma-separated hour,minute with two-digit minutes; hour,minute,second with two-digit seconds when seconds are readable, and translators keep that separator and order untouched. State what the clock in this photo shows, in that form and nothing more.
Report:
4,40
